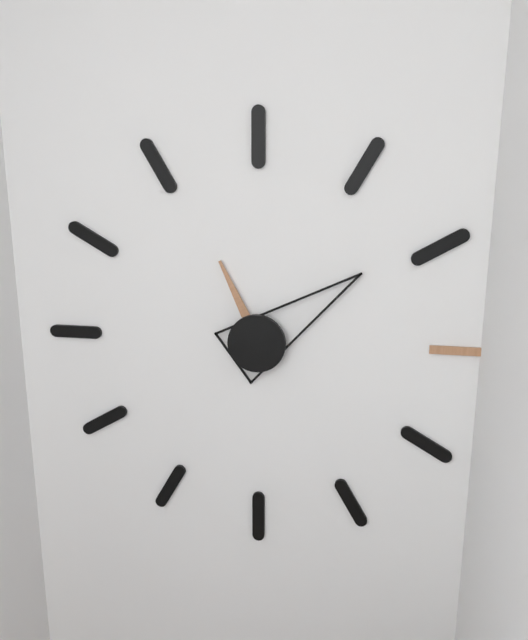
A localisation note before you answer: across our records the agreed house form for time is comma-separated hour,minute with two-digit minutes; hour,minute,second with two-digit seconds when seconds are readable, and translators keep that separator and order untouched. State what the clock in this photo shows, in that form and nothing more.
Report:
11,09
